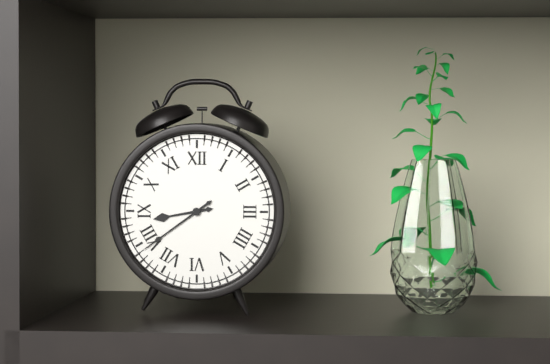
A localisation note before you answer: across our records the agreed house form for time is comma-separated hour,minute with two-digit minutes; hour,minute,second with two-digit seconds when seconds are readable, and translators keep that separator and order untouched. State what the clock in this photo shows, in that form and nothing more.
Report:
8,39
